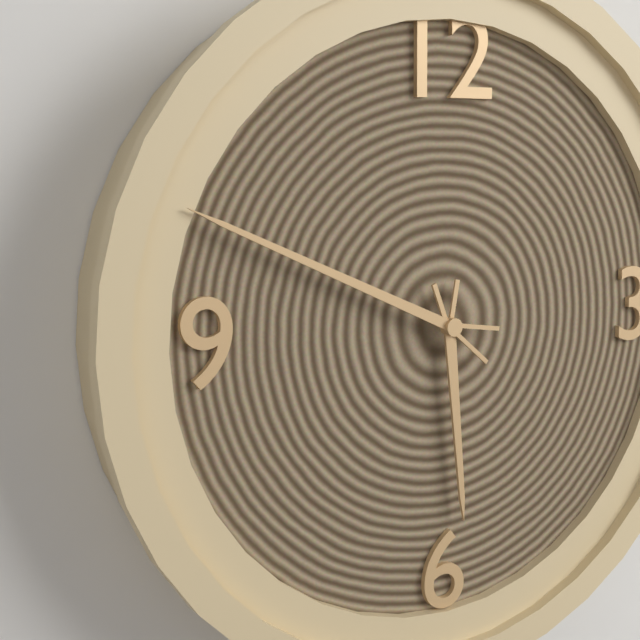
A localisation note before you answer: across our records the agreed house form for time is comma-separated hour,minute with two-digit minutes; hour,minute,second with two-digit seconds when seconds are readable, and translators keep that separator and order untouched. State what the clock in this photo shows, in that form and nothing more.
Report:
5,49
